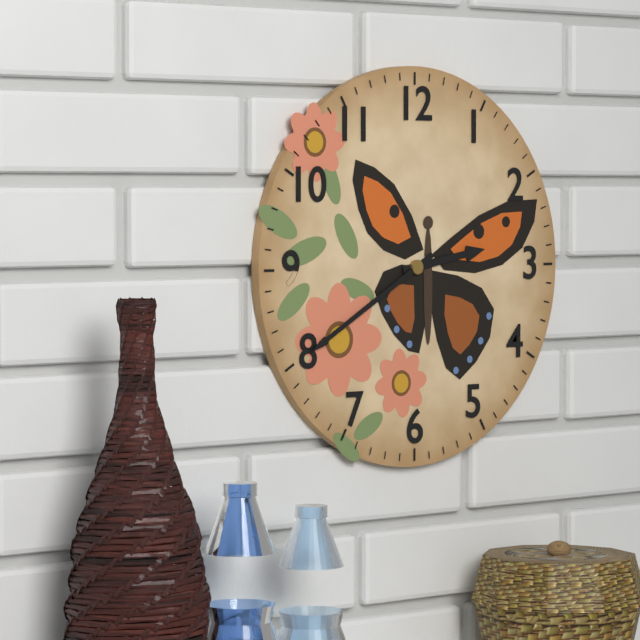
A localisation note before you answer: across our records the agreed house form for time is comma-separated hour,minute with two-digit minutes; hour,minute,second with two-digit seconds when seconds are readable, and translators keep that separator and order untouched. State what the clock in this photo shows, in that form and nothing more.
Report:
2,40
